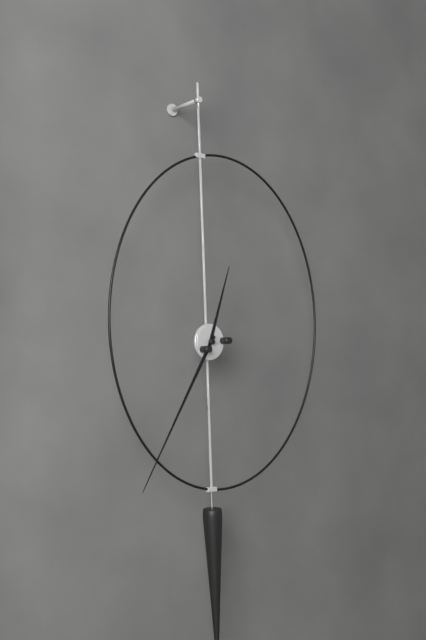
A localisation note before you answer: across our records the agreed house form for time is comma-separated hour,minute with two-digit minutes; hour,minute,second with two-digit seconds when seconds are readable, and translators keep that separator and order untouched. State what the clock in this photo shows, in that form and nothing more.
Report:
12,35
